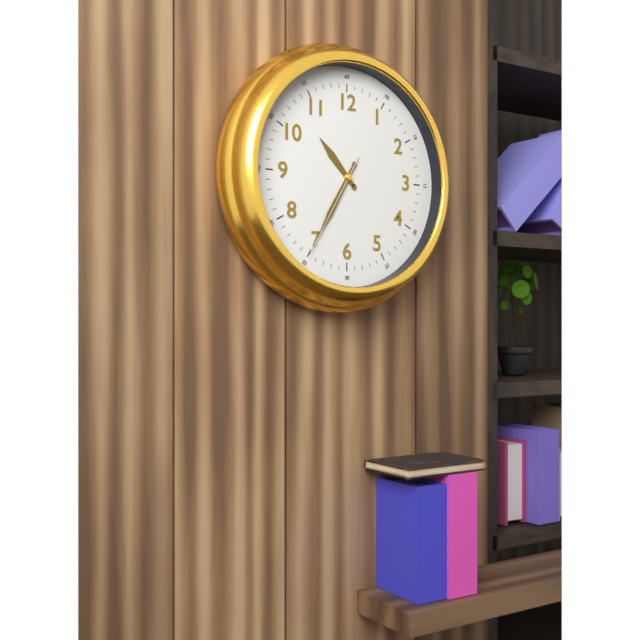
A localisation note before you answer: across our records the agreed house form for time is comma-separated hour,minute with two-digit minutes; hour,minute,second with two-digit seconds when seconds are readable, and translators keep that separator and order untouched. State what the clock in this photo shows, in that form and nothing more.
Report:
10,35,35
